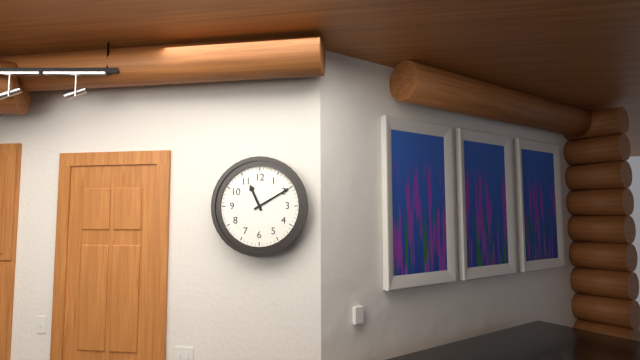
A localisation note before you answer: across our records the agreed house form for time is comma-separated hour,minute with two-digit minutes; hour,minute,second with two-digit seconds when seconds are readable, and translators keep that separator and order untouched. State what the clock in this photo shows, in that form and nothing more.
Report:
11,10
